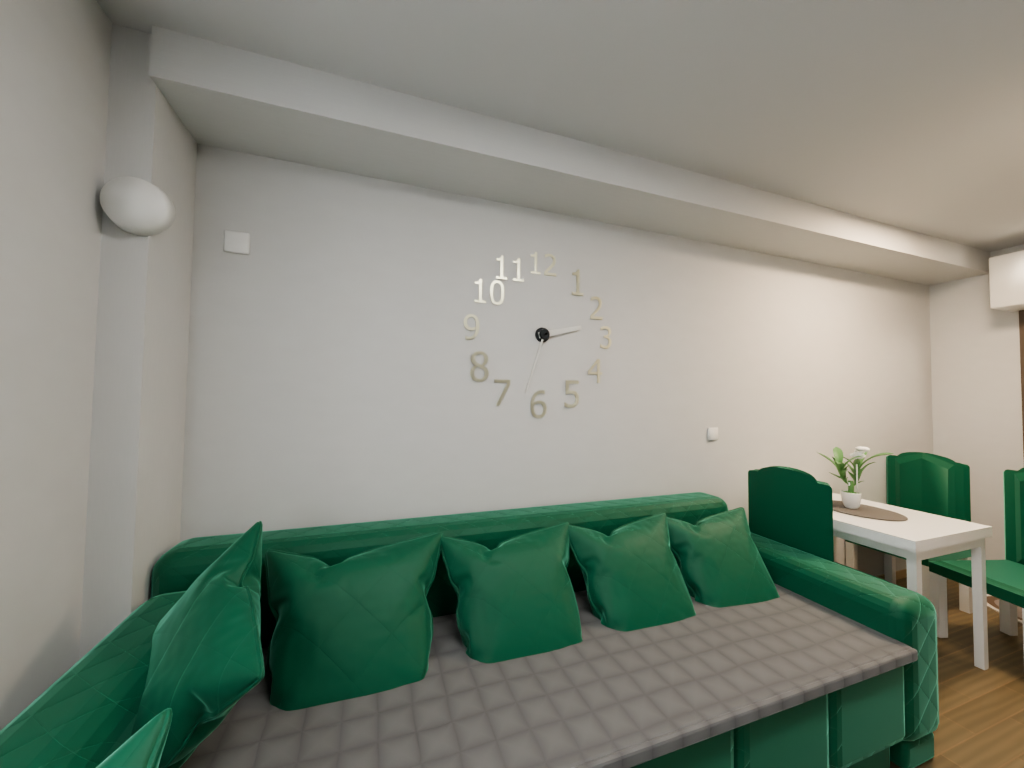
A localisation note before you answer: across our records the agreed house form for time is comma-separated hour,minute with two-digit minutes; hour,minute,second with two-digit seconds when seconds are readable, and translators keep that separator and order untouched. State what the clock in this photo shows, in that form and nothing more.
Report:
2,33
